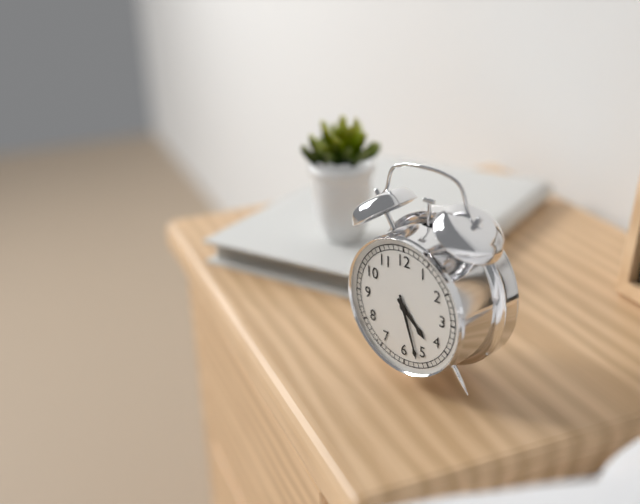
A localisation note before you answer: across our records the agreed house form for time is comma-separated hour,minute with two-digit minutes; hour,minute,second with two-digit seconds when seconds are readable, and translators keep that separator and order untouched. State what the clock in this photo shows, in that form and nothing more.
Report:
4,27
